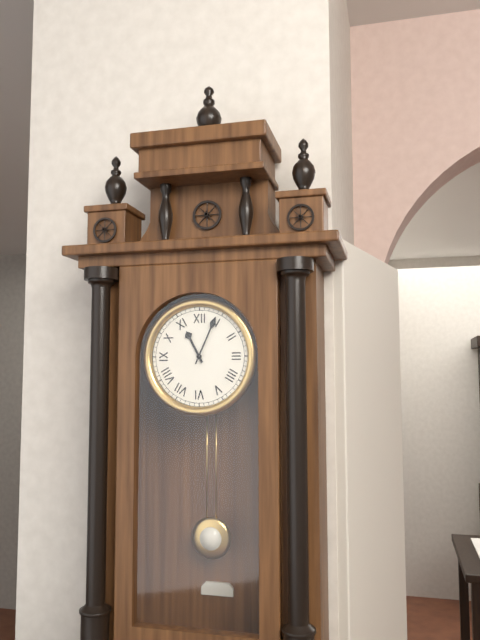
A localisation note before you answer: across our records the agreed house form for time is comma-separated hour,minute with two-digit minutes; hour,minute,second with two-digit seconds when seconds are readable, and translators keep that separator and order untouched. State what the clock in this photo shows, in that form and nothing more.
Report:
11,04
